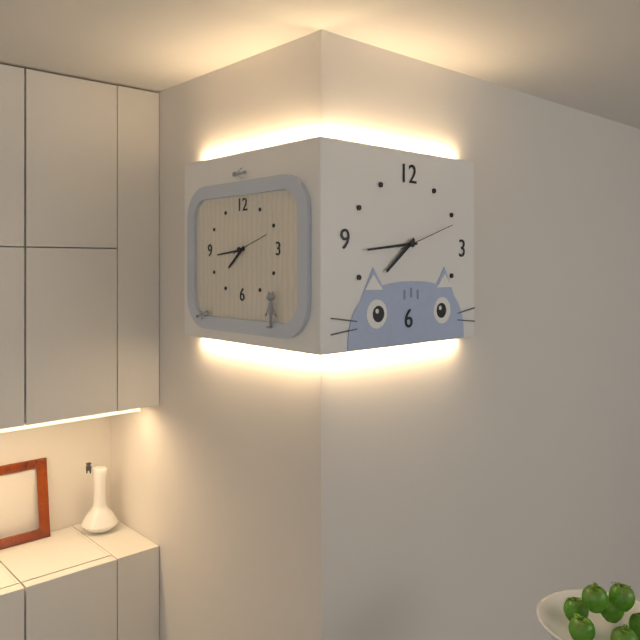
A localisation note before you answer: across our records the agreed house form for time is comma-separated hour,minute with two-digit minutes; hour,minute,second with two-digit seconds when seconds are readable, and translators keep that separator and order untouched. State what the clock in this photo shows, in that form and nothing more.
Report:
7,44,12
